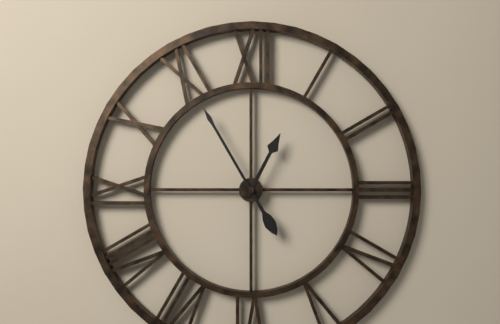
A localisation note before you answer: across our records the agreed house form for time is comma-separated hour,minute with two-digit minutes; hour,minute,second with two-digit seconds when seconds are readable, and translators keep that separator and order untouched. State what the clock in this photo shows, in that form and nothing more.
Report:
12,55
